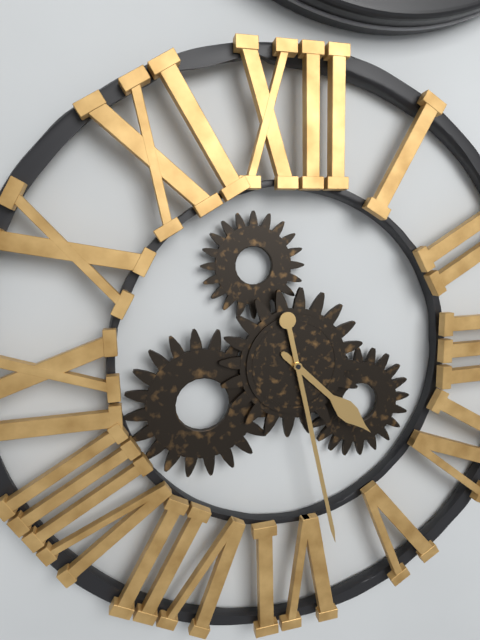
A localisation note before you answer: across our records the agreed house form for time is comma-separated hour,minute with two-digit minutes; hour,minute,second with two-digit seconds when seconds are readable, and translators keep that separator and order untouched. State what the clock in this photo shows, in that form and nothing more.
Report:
4,28
